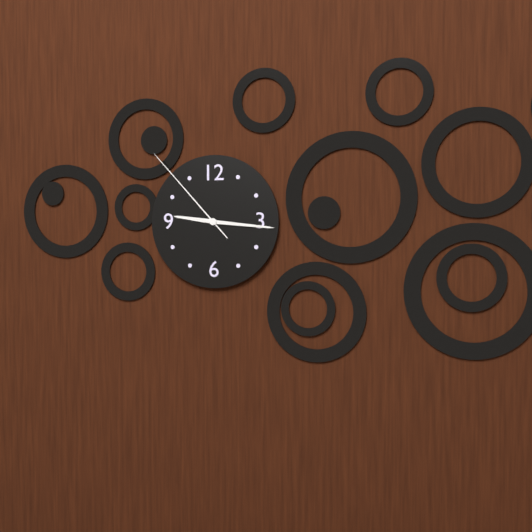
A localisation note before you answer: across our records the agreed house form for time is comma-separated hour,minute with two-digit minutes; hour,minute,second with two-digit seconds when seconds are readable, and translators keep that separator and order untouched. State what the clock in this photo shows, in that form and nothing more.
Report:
9,16,53
